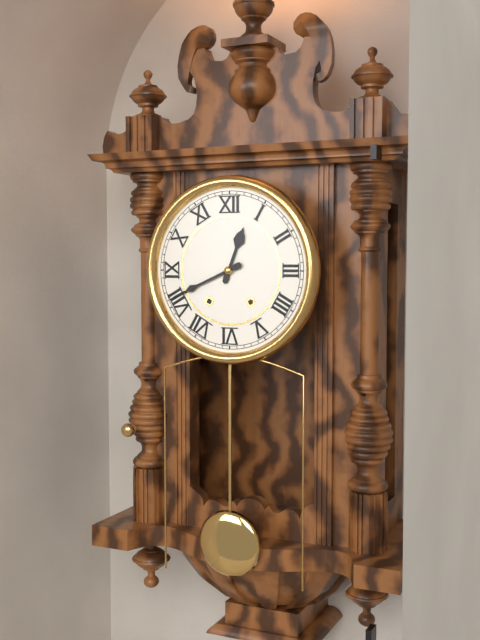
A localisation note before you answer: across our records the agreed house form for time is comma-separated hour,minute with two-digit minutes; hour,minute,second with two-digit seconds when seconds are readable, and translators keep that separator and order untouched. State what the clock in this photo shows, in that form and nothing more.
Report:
12,41
